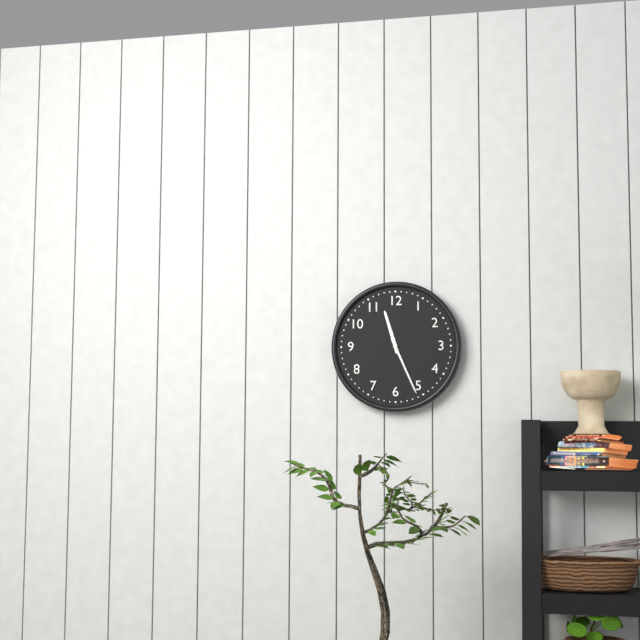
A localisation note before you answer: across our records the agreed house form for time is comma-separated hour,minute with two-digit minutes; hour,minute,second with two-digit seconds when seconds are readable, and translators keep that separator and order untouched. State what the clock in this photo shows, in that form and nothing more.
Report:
11,26
